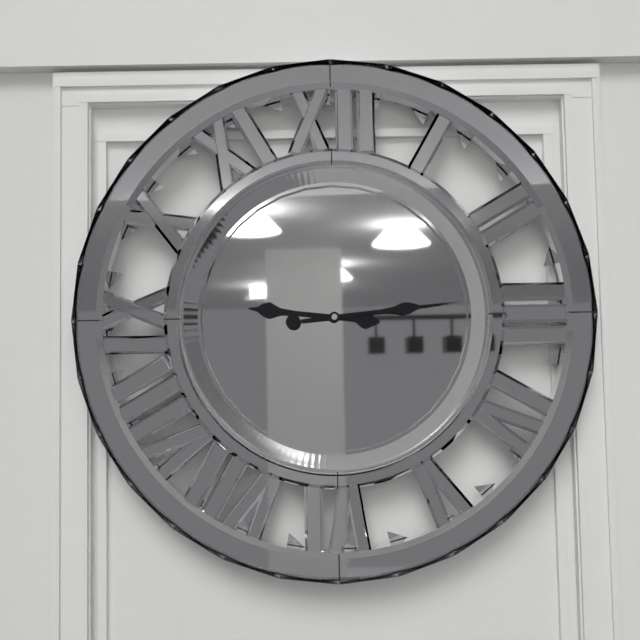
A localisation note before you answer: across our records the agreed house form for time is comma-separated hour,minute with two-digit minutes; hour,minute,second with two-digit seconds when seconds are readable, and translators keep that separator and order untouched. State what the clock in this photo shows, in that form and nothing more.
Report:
9,14
